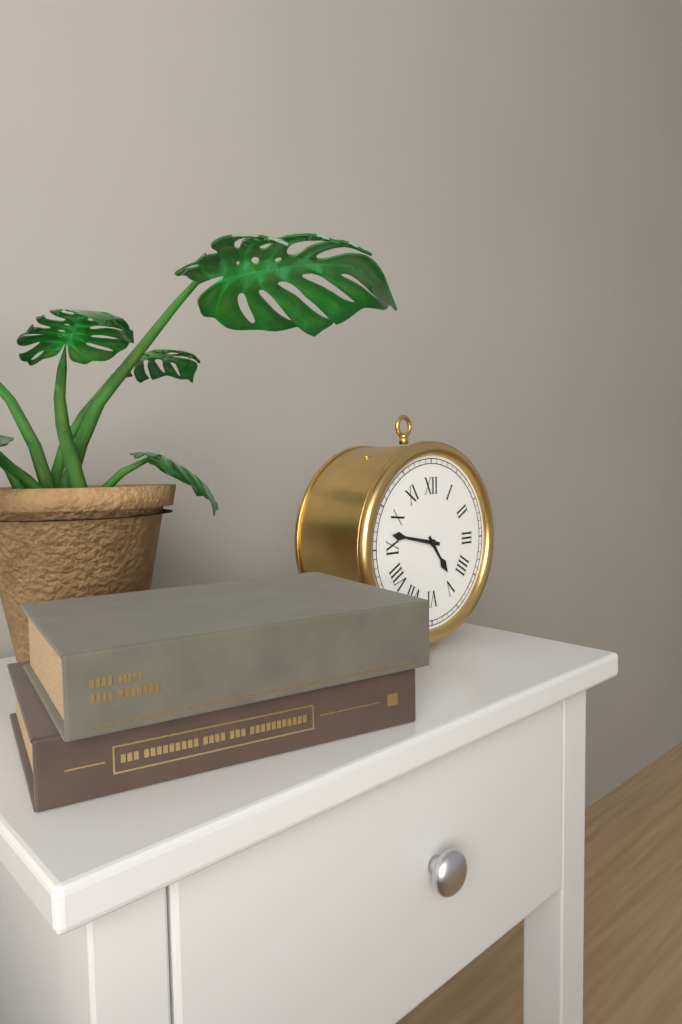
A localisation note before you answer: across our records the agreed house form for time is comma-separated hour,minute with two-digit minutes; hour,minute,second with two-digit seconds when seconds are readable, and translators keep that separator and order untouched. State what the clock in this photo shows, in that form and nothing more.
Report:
4,47
